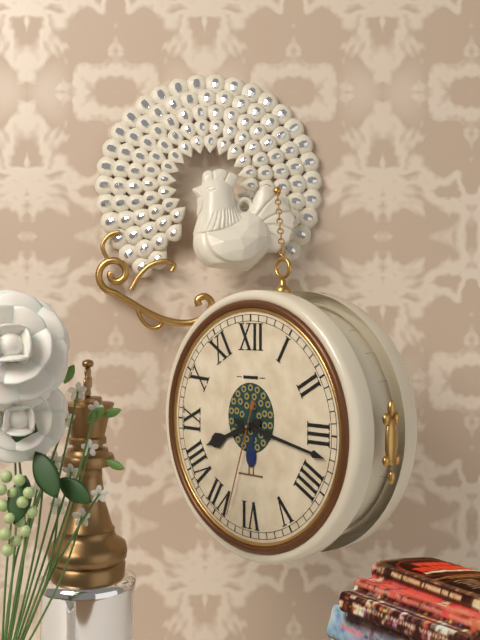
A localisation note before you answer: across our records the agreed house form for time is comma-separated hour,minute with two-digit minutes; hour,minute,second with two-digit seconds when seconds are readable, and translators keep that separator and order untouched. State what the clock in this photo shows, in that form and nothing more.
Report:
8,17,33
